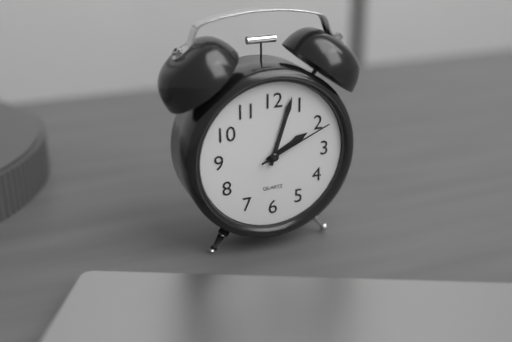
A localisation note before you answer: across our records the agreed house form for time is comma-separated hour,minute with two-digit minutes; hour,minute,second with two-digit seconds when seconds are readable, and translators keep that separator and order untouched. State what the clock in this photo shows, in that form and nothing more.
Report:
2,03,11
